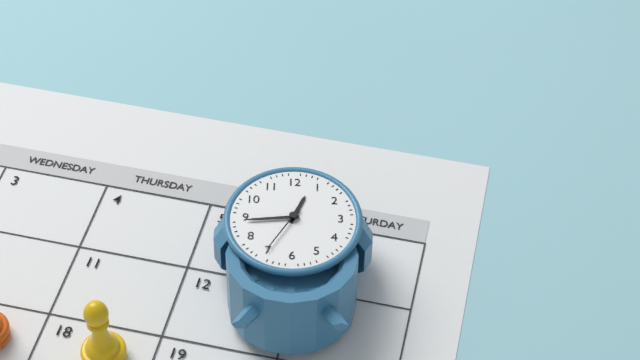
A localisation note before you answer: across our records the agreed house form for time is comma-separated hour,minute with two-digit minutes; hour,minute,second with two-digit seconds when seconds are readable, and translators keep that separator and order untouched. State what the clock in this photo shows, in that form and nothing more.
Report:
12,44,35
